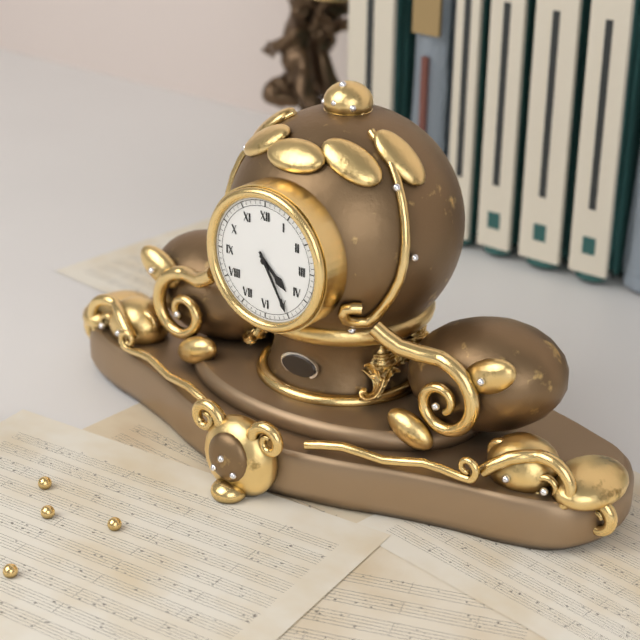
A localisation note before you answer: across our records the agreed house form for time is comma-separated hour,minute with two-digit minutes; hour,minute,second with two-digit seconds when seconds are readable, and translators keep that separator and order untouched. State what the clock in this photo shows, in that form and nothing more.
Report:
4,25
